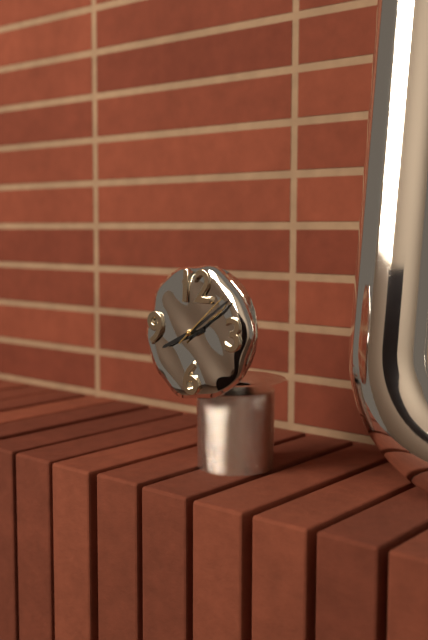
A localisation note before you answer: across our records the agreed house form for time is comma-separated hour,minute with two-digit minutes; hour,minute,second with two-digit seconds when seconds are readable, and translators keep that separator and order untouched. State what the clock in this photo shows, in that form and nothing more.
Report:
8,09,08
